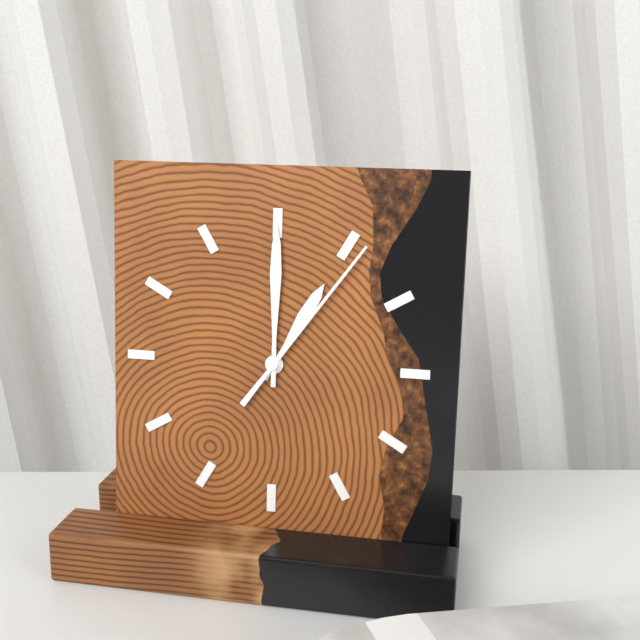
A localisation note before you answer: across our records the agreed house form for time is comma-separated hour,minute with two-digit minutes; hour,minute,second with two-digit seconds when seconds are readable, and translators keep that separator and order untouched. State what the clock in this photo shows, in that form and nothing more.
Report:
1,00,06
